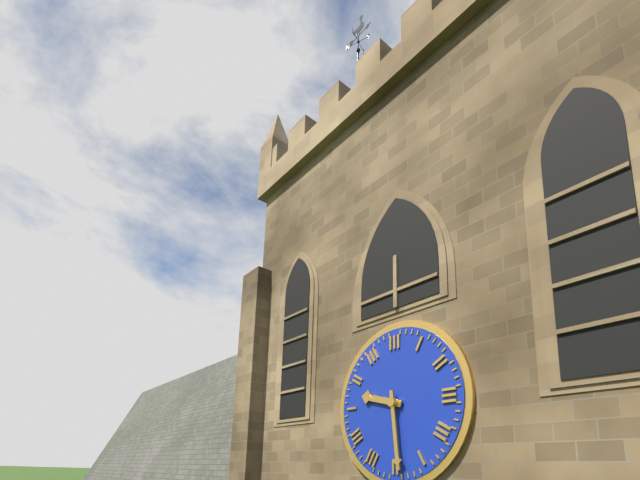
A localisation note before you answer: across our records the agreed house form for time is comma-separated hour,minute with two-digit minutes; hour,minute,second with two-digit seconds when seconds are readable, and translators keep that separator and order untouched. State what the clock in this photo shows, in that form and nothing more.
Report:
9,29
